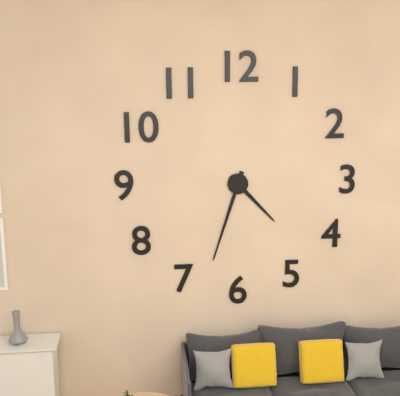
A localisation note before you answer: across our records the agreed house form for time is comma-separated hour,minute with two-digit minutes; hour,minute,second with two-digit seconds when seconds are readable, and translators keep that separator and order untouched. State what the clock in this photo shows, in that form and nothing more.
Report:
4,33
